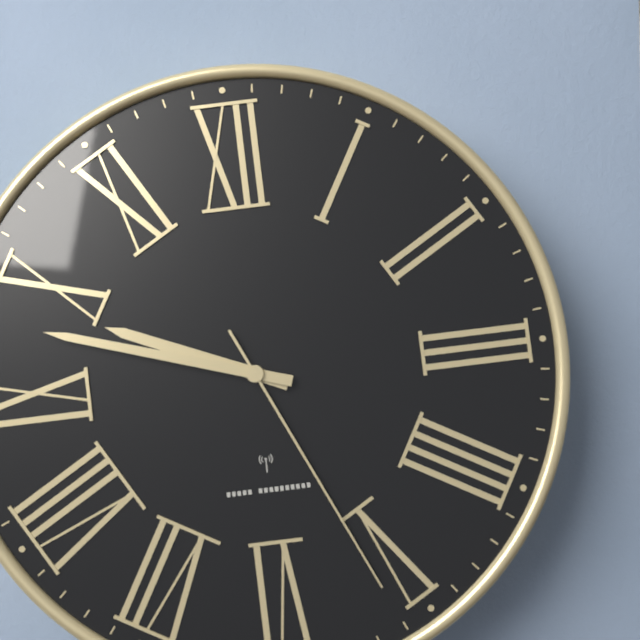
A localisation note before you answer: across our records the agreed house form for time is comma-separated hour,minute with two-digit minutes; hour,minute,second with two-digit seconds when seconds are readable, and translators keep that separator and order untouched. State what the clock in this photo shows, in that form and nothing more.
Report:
9,48,26
